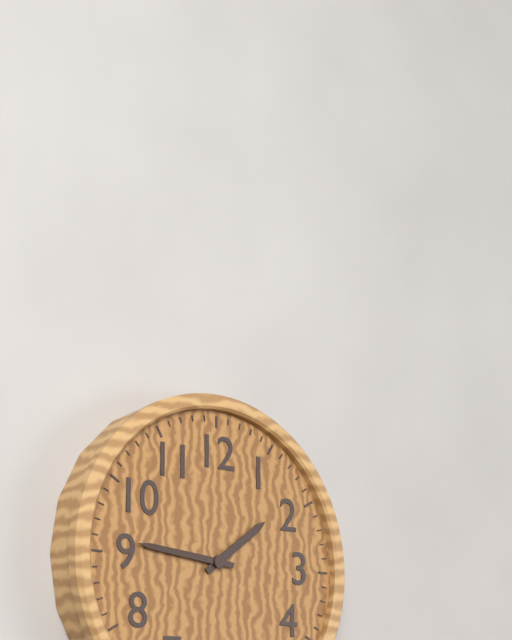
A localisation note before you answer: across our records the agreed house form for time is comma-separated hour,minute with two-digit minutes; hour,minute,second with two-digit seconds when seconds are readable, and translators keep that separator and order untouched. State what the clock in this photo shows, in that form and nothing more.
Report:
1,46
